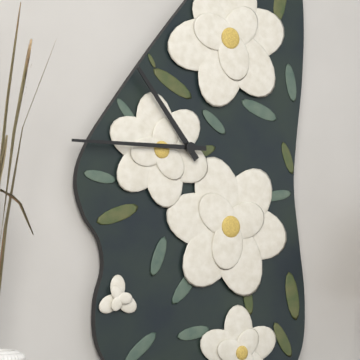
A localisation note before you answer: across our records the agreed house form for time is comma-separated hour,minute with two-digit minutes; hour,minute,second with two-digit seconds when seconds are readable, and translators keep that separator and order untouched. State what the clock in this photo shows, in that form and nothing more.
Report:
10,45
